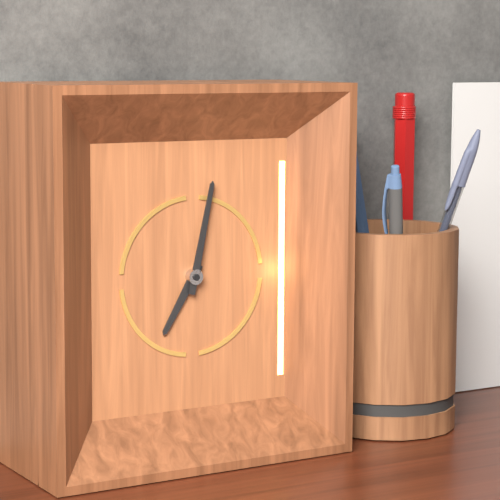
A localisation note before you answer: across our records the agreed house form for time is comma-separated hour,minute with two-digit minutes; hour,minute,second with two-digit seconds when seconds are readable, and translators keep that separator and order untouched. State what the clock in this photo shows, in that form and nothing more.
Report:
7,02
